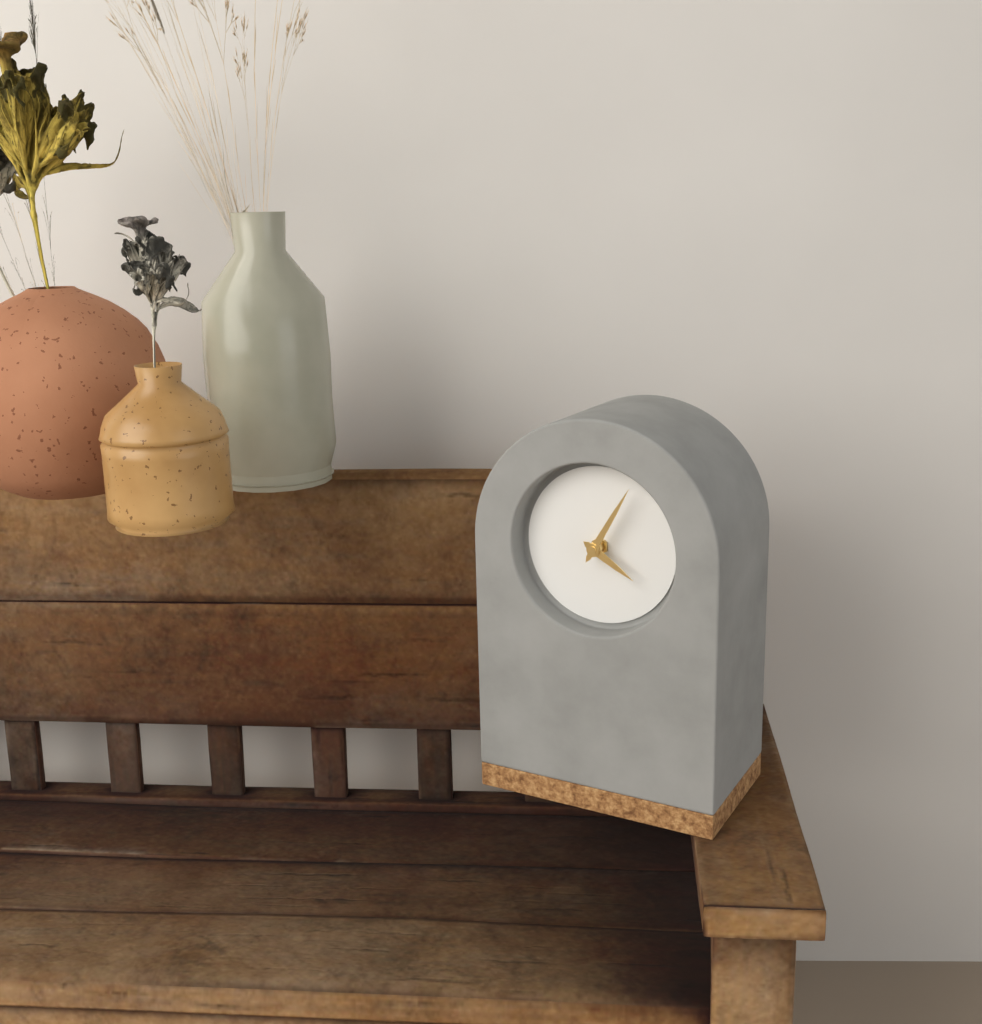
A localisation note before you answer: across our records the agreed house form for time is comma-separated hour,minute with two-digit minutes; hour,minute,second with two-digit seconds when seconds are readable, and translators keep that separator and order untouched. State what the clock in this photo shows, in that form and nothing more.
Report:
4,05
